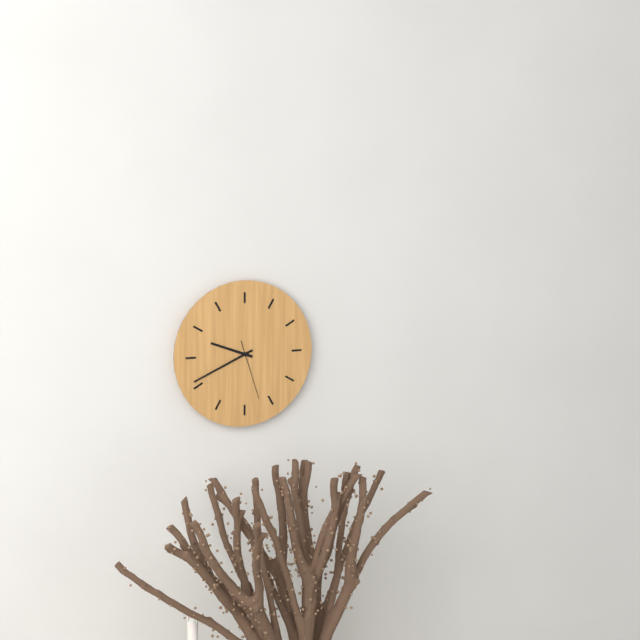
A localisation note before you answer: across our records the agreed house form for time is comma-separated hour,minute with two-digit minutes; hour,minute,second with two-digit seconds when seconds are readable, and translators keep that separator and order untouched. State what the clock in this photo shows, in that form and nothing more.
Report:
9,41,27
